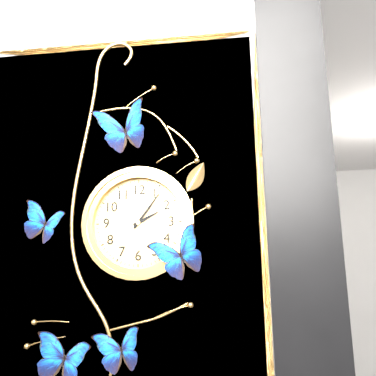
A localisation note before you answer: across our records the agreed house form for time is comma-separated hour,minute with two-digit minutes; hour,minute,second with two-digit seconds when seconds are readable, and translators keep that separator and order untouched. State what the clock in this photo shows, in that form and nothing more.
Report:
2,06
